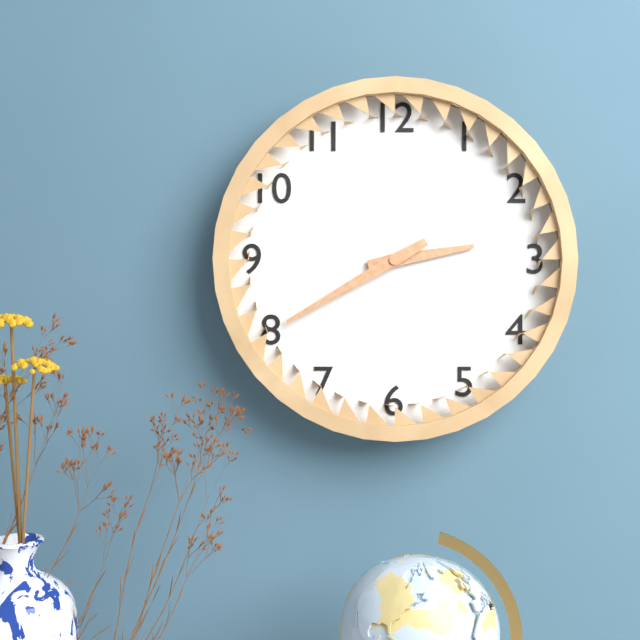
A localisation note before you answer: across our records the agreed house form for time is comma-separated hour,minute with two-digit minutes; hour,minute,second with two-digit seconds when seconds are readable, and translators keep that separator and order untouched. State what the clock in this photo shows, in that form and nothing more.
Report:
2,40
